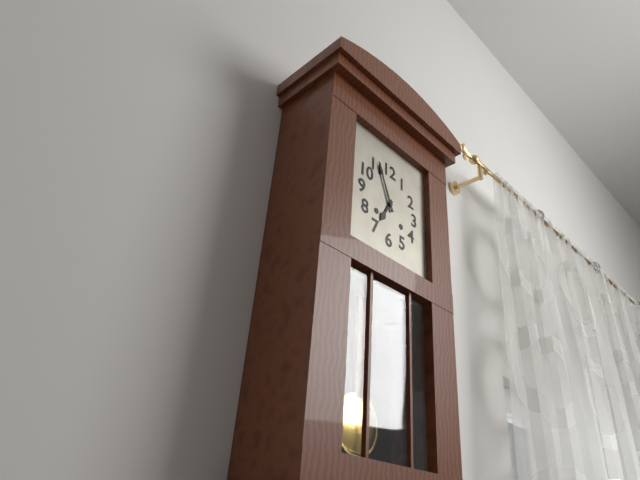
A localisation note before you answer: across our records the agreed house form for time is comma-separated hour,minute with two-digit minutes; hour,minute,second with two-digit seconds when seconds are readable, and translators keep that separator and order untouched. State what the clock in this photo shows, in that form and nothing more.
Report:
6,56
